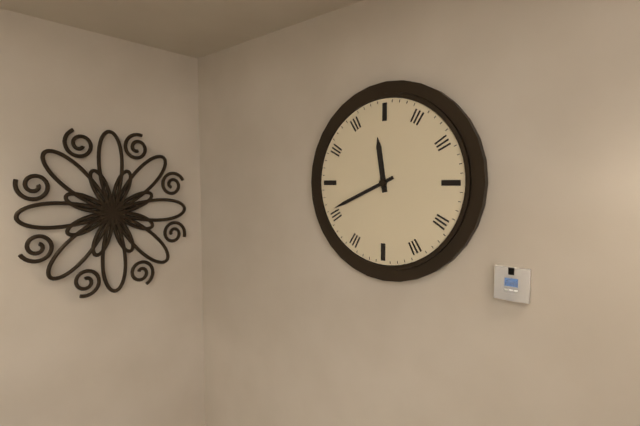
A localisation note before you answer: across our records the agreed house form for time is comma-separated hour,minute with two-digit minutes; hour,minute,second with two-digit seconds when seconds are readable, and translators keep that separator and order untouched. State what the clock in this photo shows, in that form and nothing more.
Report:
11,41
